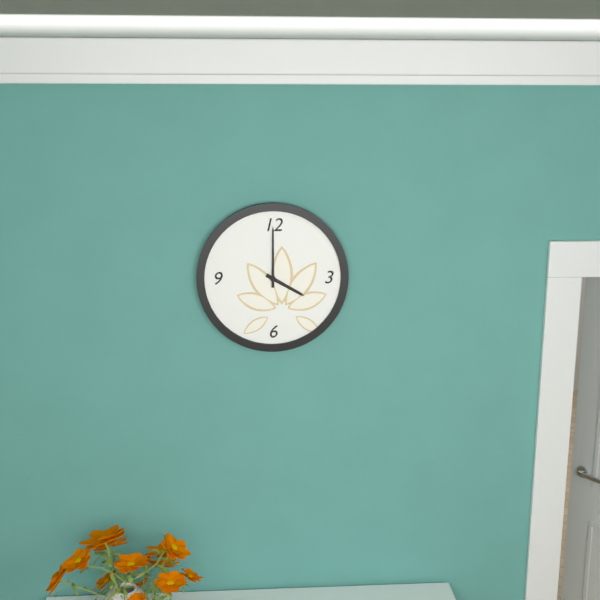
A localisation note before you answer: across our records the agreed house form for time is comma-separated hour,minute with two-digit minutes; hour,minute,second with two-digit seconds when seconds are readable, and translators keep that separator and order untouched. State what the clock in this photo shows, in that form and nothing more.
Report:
4,00
